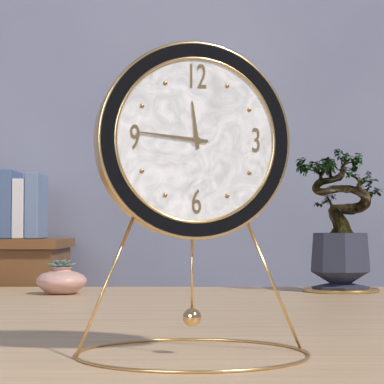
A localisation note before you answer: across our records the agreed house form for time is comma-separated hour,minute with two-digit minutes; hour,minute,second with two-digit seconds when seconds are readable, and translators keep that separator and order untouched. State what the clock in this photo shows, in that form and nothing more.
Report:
11,46
